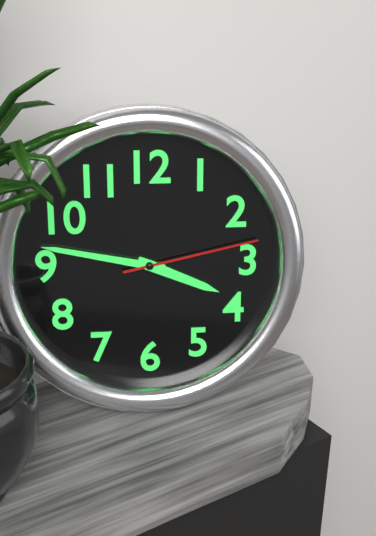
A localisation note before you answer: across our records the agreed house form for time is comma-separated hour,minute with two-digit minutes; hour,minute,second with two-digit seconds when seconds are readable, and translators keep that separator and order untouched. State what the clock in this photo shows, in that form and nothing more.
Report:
3,47,13
